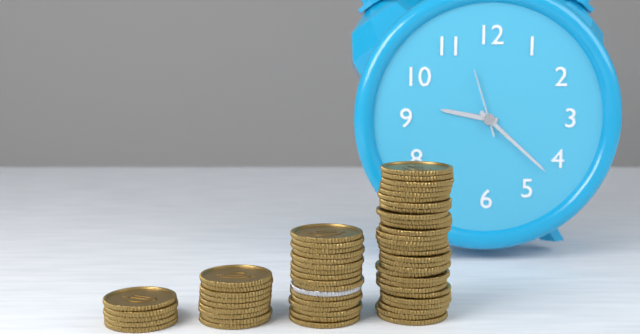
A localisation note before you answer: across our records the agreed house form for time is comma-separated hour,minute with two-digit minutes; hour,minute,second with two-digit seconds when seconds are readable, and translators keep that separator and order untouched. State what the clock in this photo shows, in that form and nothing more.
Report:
9,22,57
